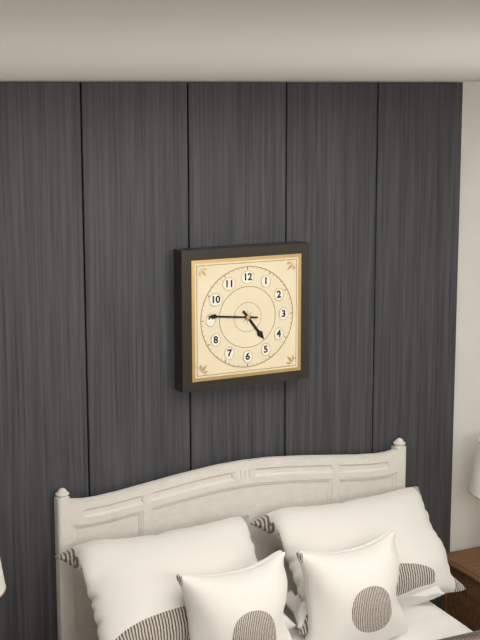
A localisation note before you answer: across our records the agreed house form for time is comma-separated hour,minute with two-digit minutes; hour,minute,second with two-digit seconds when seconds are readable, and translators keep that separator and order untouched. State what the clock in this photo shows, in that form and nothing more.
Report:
4,46
